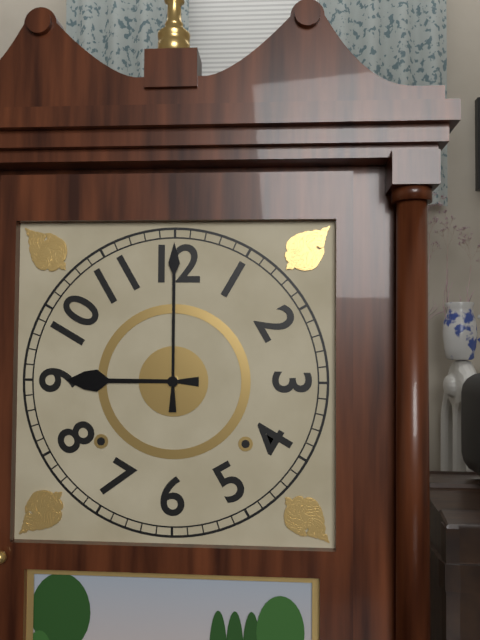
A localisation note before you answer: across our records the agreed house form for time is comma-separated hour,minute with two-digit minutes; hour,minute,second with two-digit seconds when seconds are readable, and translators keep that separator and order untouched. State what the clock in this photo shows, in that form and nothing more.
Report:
9,00
